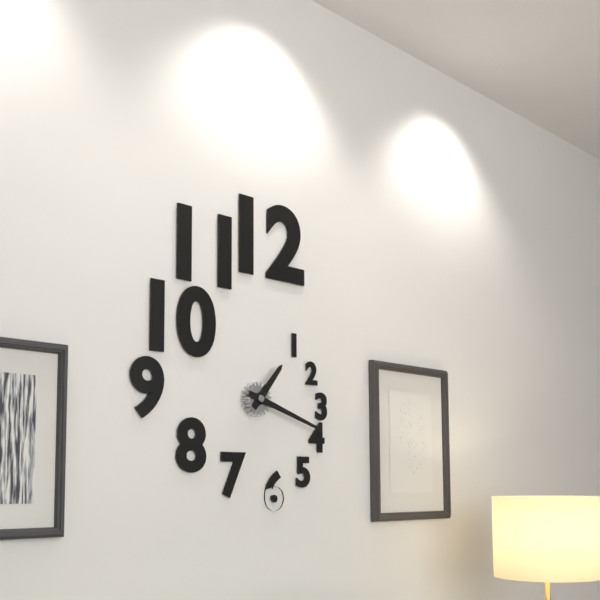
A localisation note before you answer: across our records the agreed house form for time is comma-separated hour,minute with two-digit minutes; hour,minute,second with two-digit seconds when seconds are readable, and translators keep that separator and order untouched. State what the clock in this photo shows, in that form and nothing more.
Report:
1,18
